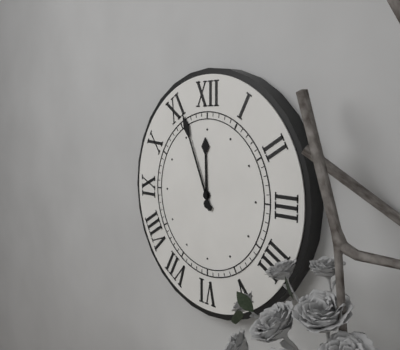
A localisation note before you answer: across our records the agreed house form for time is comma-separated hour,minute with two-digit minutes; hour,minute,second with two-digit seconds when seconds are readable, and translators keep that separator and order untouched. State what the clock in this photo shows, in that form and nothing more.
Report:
11,56
